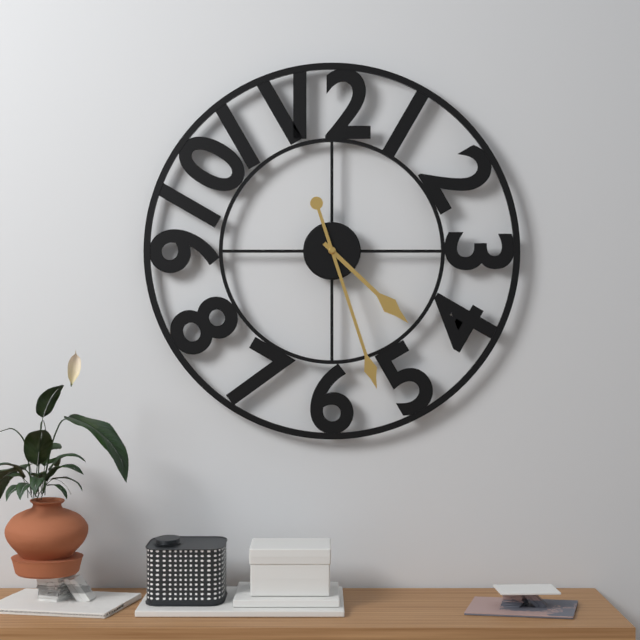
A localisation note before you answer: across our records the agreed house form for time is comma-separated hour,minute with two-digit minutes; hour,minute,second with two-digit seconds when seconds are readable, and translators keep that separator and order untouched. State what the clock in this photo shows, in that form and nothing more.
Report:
4,27
